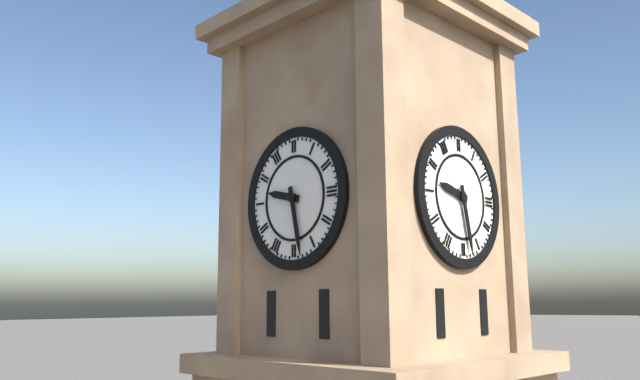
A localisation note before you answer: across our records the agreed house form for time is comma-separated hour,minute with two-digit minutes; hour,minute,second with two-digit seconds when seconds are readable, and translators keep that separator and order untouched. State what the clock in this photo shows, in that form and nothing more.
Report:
9,28
